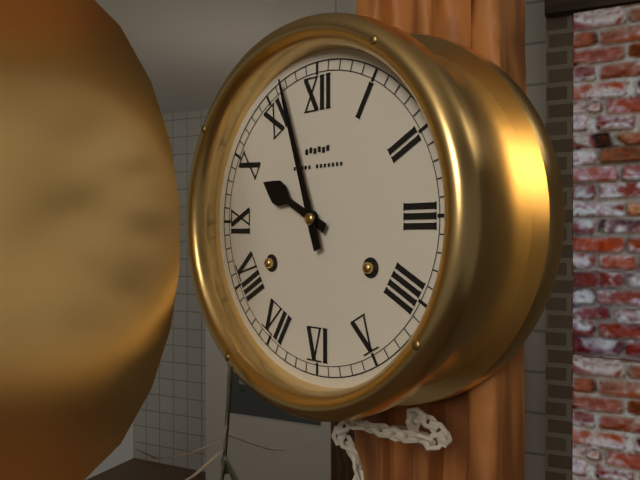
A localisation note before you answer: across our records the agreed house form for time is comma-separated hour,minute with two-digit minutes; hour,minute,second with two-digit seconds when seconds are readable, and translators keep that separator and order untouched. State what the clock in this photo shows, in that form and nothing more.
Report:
9,57
